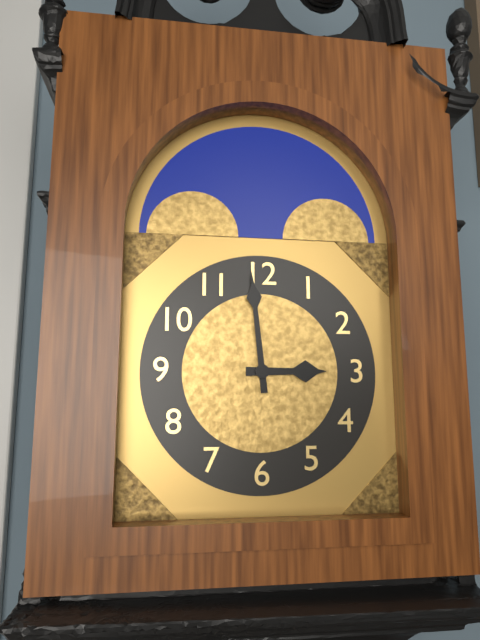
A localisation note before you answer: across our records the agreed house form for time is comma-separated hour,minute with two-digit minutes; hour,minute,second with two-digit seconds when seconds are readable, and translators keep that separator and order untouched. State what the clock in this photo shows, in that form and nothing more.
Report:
2,59
